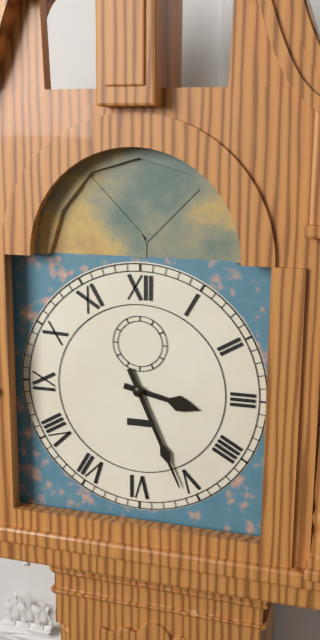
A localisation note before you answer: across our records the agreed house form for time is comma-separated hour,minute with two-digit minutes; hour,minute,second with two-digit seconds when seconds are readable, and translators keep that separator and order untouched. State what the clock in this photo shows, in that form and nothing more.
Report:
3,26
